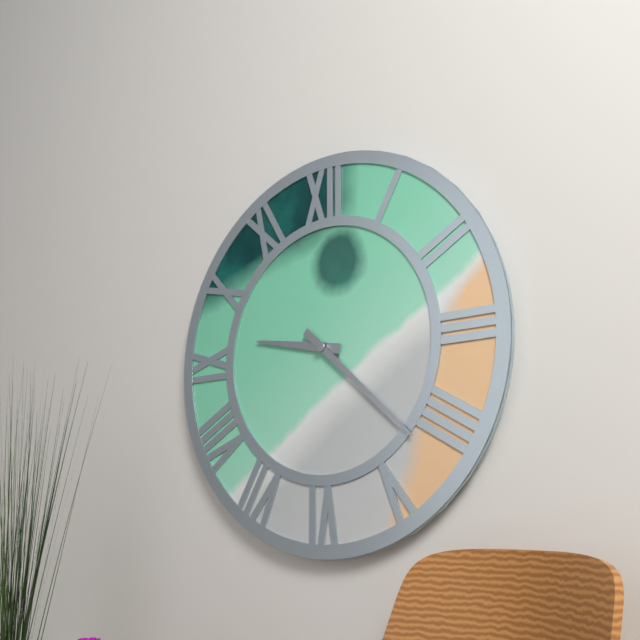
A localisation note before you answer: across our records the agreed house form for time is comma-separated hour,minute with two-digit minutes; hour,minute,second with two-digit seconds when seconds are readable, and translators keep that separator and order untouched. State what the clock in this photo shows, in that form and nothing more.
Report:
9,22
